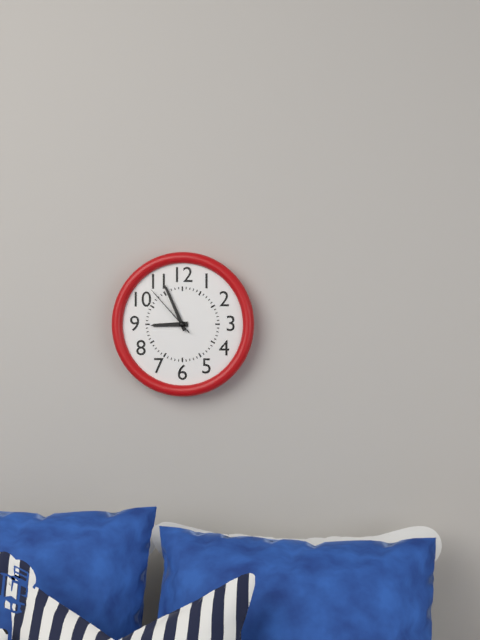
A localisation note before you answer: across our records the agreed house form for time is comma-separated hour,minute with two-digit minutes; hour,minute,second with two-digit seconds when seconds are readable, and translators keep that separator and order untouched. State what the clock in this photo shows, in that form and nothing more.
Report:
8,56,53
